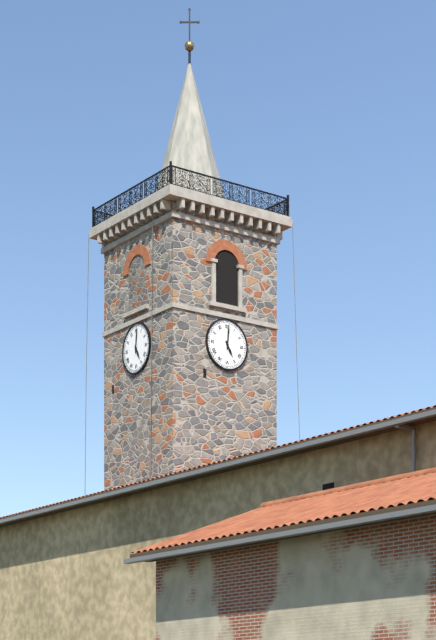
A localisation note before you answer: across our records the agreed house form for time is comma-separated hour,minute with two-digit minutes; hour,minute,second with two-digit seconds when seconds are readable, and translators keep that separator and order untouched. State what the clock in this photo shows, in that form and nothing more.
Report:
5,01
